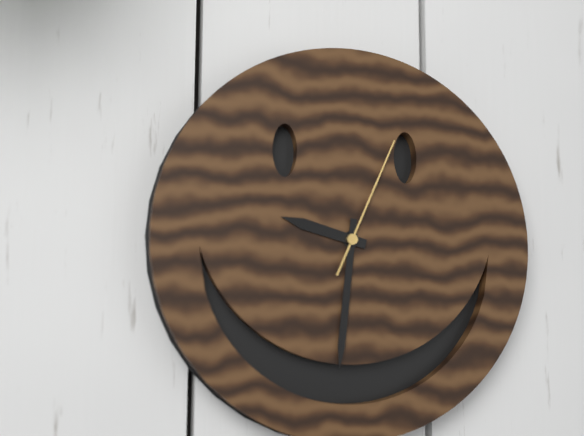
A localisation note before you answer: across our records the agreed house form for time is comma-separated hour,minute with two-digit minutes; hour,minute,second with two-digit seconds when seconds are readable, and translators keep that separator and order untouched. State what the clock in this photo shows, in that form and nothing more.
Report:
9,31,04
